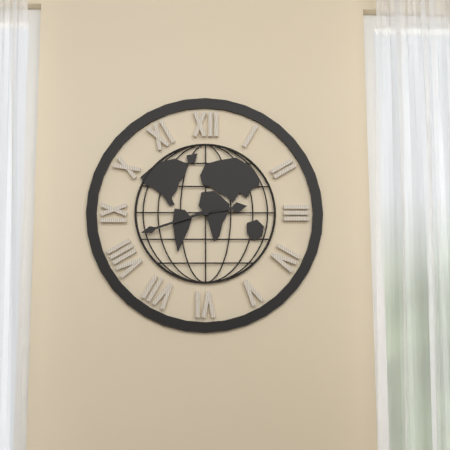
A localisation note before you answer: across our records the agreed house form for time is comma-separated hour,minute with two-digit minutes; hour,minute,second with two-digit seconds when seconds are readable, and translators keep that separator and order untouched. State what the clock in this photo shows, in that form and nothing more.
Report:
2,42
